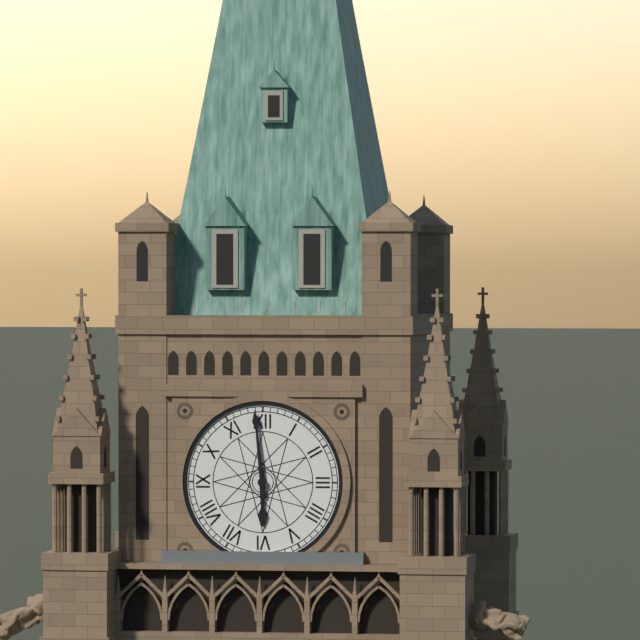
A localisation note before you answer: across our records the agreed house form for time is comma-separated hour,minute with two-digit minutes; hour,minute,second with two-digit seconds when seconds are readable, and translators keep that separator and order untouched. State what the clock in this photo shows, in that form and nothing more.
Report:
5,59
